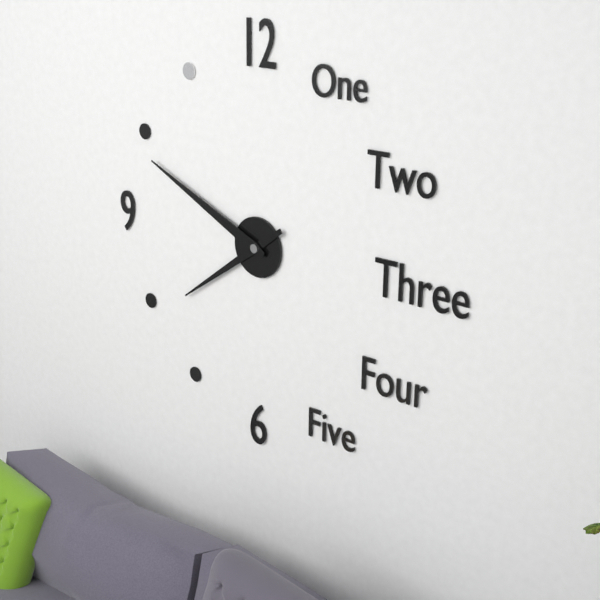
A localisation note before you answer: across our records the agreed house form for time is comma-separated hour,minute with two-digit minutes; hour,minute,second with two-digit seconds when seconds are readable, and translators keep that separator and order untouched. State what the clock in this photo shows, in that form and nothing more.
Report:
7,49
